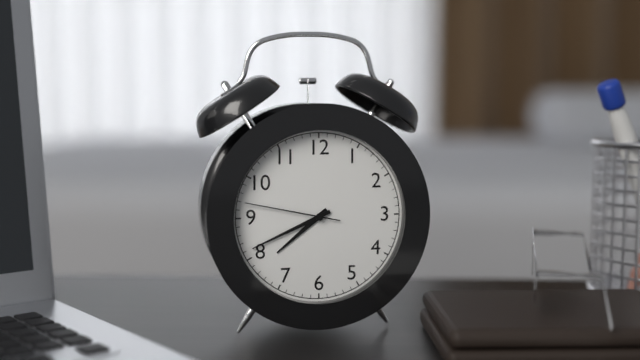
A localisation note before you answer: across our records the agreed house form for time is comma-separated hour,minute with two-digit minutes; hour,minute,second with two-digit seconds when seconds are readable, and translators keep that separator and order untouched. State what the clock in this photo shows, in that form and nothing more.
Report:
7,41,47
